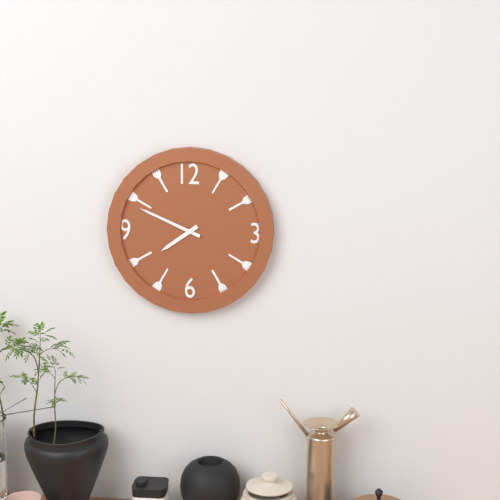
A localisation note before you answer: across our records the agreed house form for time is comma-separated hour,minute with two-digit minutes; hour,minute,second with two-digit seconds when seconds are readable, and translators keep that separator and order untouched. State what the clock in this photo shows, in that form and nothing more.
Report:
7,49
